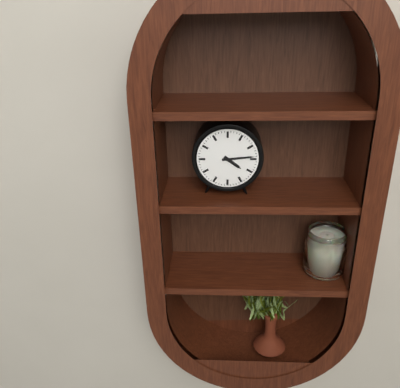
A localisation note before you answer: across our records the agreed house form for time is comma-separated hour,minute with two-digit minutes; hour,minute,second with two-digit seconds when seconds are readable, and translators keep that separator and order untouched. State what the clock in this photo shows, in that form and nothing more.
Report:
4,14
